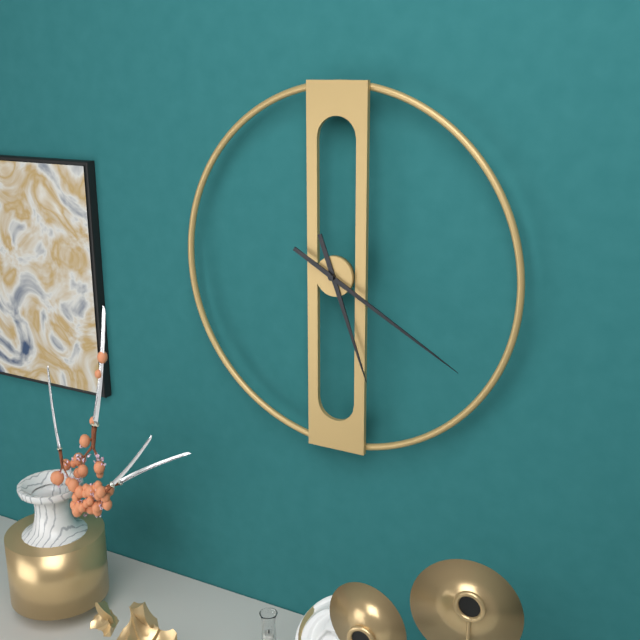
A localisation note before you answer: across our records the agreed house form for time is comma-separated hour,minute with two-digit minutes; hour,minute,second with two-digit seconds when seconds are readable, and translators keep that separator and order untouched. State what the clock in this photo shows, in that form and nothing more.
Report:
5,20
